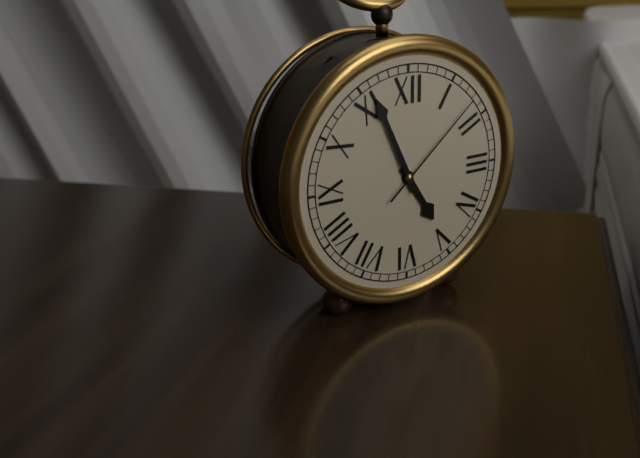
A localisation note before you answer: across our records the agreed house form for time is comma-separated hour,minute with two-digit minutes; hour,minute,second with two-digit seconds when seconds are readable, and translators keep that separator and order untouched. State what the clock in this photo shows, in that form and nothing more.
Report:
4,56,08
